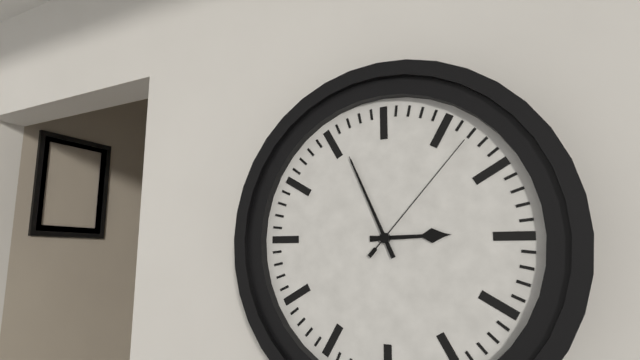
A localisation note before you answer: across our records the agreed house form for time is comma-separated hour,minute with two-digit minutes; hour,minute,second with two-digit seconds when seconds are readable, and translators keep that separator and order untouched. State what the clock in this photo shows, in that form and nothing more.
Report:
2,56,07
